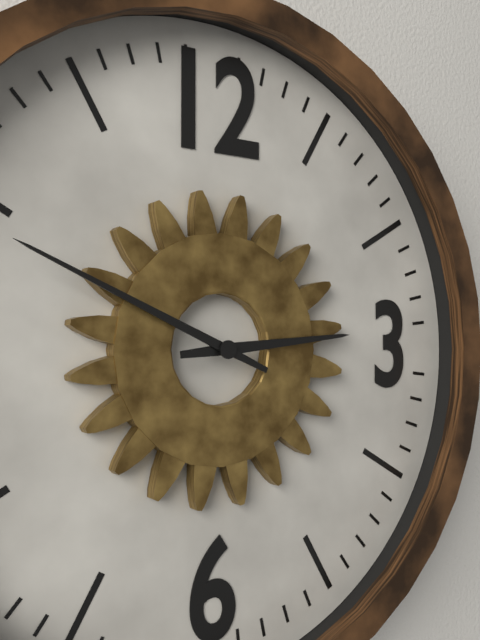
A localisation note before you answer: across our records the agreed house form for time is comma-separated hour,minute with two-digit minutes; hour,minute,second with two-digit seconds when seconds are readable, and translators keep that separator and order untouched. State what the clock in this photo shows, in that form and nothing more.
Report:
2,49
